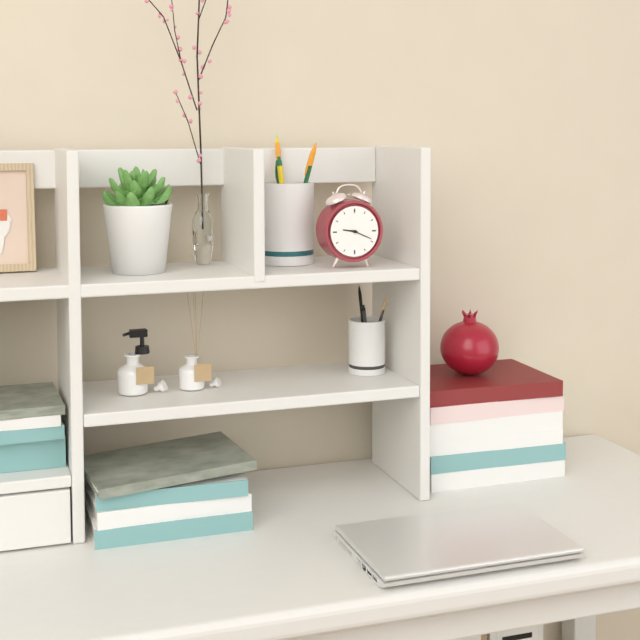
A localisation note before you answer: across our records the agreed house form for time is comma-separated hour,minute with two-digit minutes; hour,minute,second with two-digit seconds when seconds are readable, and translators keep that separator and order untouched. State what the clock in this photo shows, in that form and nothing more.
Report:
9,19
